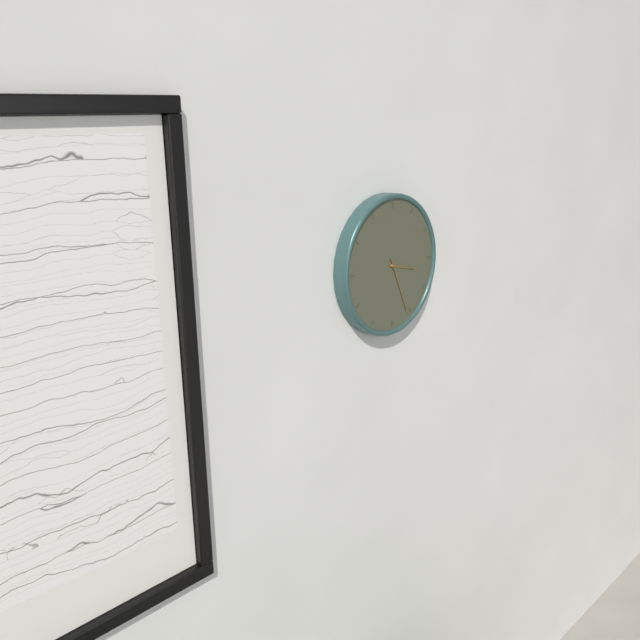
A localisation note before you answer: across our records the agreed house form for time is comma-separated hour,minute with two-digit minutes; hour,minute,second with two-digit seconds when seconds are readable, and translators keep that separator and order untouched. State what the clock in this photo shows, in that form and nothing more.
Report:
3,26
